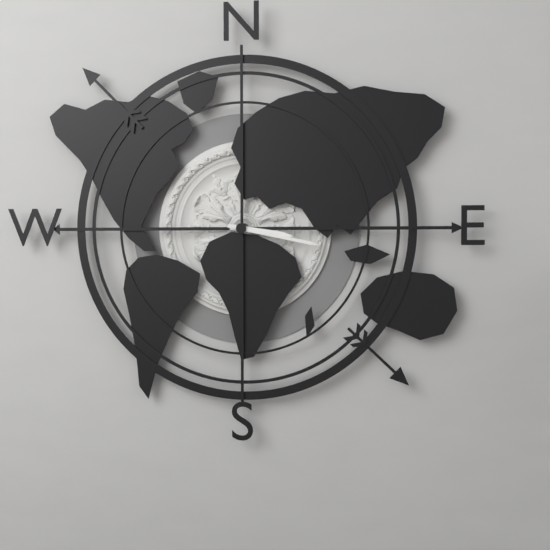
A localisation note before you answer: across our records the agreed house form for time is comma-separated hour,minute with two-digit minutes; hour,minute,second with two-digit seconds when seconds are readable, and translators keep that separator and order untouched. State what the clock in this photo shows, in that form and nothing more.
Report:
3,17
